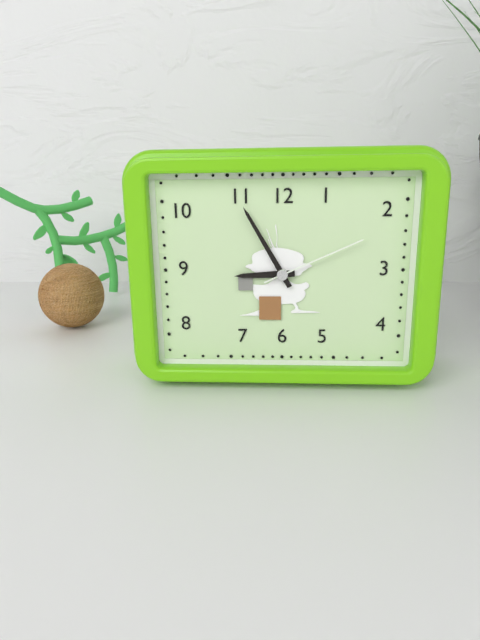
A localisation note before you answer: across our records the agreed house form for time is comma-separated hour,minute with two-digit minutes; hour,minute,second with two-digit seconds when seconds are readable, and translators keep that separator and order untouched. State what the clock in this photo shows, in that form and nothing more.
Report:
8,55,11
